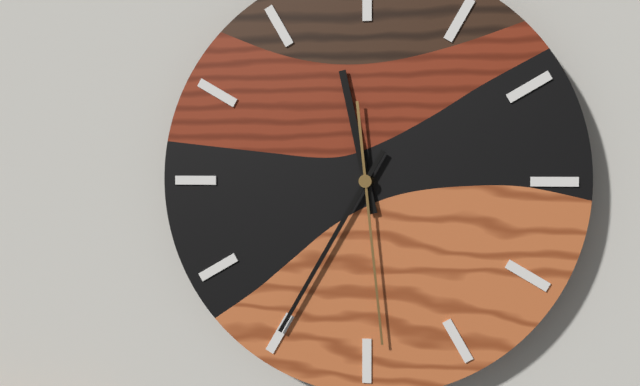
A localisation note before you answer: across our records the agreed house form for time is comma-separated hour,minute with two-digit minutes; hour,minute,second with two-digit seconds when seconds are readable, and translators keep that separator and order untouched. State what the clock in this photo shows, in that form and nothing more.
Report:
11,35,29
